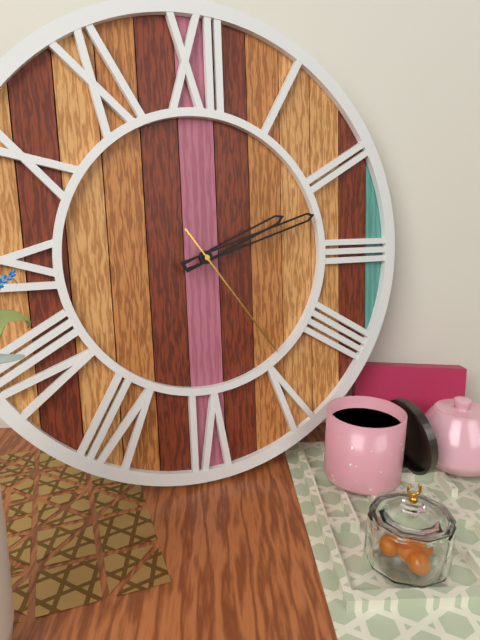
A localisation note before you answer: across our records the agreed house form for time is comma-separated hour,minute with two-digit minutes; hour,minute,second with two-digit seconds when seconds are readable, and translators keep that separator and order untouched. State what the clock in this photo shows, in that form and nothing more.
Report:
2,12,24
